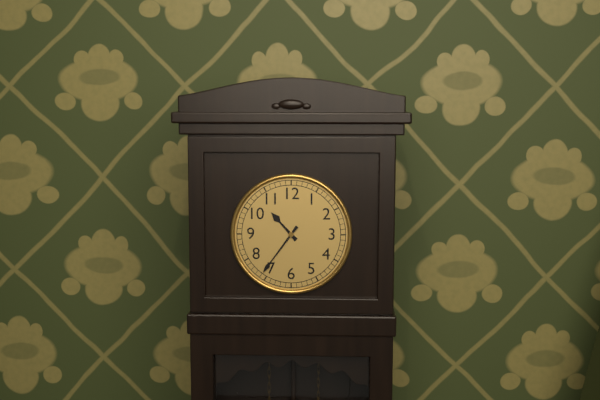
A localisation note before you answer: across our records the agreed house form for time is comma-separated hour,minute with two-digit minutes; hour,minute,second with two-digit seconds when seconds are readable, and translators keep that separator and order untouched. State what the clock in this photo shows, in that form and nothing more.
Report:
10,36
